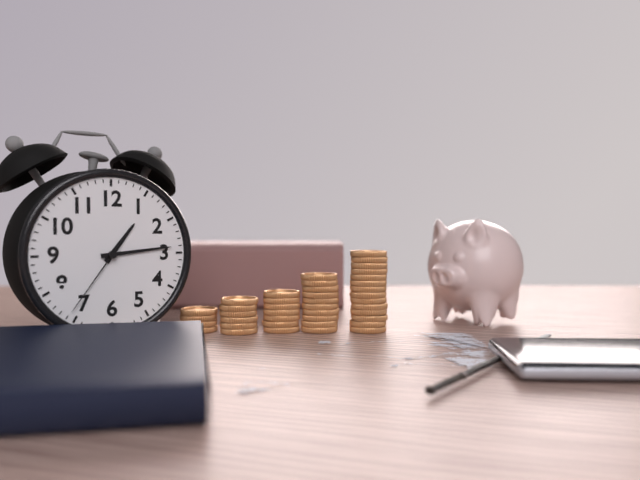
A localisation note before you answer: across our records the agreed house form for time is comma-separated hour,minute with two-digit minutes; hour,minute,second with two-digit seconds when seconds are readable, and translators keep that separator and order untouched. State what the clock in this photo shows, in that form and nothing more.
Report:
1,14,36
